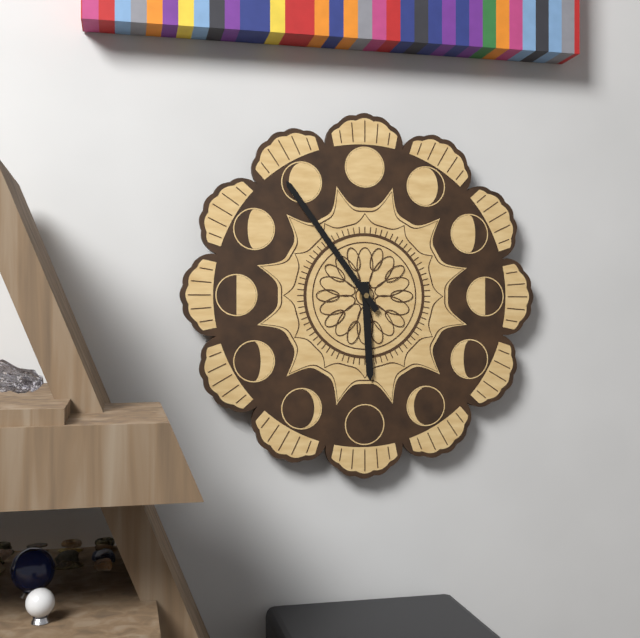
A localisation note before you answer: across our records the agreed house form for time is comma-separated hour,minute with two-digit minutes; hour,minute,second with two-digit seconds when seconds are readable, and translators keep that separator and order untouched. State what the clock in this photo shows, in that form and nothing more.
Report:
5,54
